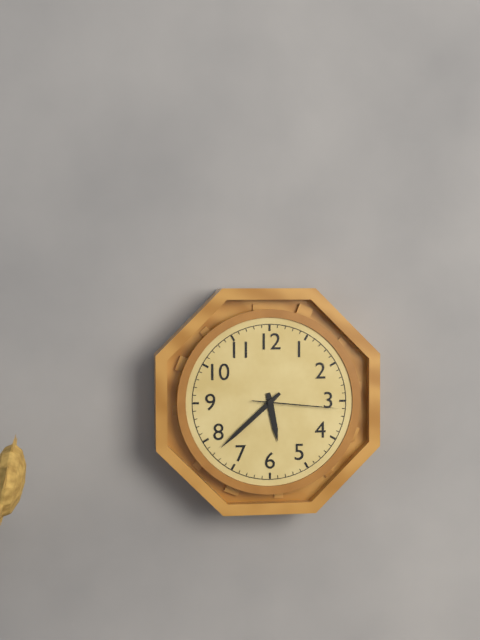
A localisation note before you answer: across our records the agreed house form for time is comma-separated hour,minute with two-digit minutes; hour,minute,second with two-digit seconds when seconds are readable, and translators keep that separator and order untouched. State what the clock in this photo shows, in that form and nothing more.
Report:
5,38,16
